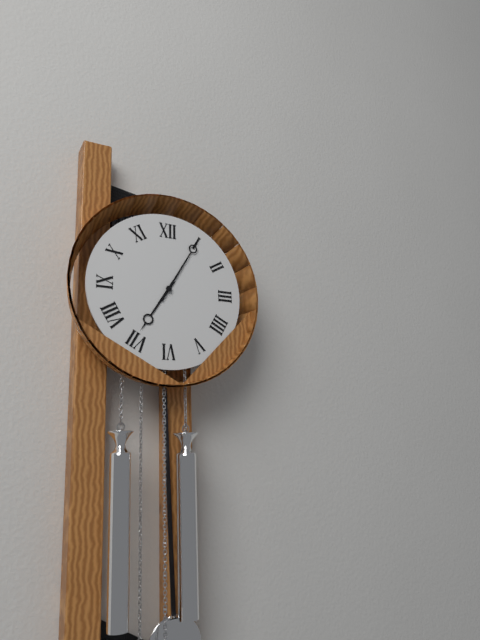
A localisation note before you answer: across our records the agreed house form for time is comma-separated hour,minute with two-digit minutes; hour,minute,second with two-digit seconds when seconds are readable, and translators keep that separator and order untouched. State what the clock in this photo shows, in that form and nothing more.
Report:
7,05
